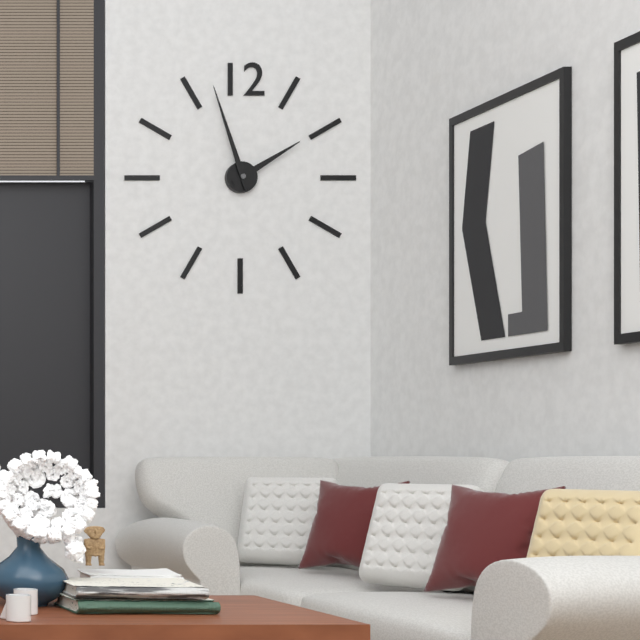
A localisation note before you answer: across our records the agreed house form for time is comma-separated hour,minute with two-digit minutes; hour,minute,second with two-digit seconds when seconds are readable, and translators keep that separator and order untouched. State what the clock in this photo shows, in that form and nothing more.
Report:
1,57
